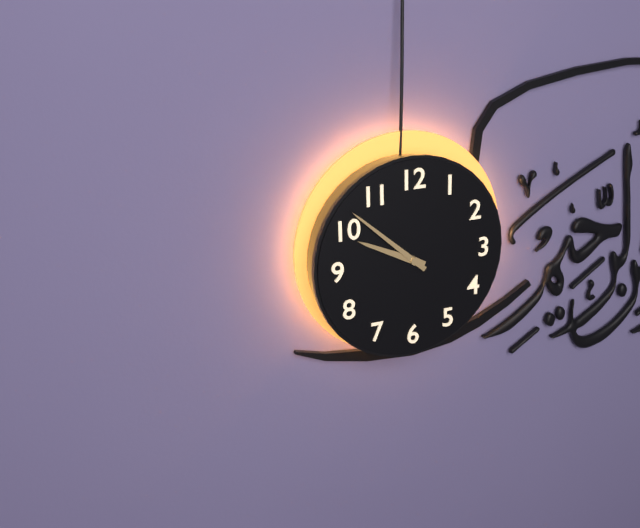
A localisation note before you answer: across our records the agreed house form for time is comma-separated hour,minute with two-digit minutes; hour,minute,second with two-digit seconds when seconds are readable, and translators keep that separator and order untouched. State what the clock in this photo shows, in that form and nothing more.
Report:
9,52
